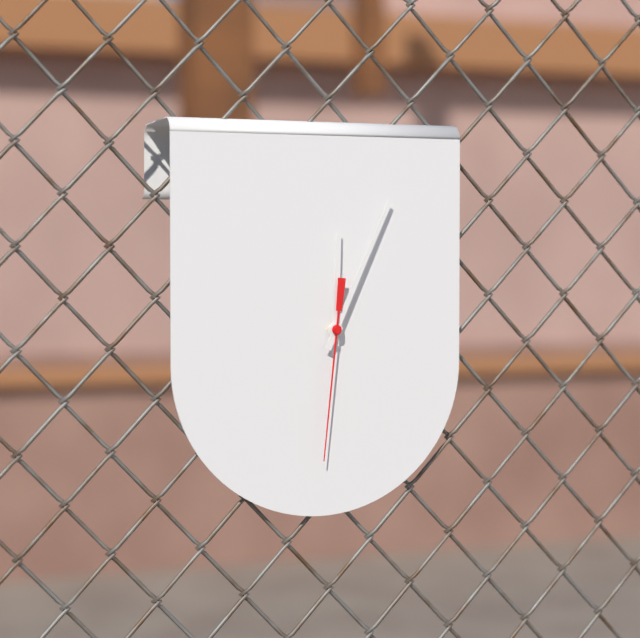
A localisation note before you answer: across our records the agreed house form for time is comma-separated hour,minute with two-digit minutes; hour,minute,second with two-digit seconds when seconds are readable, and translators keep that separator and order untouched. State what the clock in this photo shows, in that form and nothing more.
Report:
12,04,31
